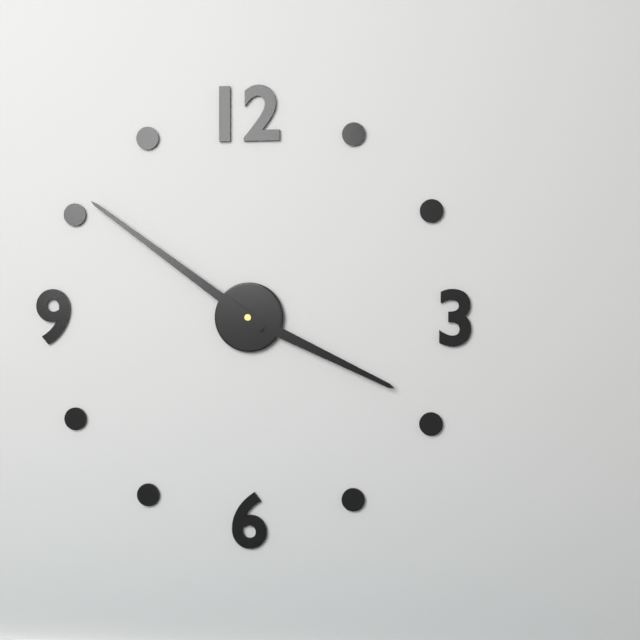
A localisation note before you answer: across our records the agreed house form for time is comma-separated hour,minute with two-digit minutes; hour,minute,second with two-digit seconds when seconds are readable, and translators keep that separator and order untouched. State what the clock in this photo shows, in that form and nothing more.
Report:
3,51
